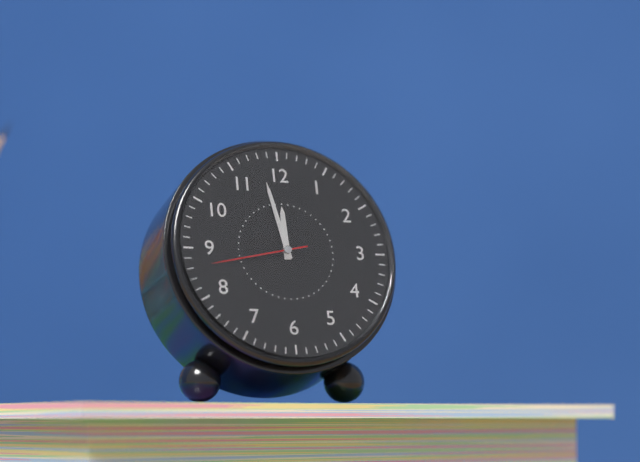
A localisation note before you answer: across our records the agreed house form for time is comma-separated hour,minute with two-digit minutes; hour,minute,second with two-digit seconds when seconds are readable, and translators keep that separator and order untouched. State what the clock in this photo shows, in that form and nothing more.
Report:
11,58,43
